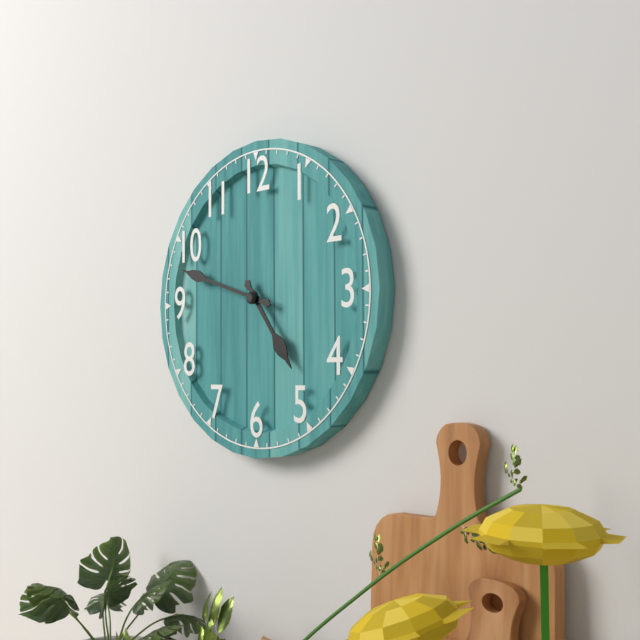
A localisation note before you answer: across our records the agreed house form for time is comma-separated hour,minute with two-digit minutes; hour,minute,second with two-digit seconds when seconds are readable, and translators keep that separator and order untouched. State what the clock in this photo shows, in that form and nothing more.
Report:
4,48
